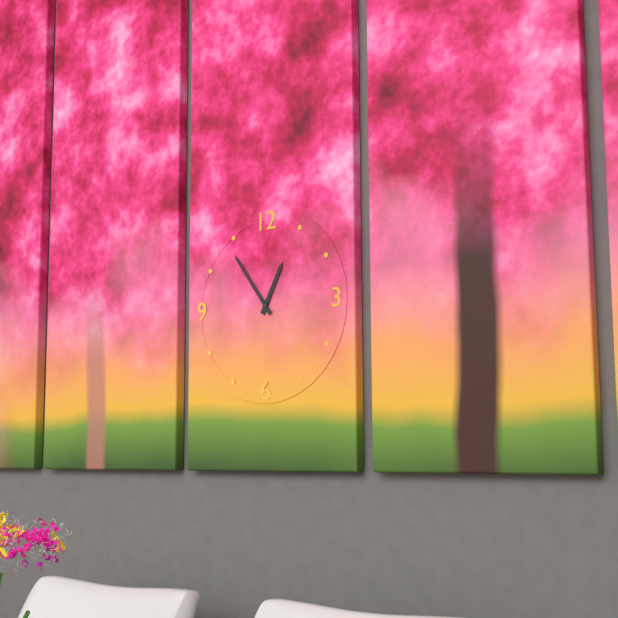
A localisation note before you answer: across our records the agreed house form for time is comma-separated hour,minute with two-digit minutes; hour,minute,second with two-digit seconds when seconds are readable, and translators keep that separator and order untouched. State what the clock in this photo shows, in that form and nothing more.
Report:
12,54
